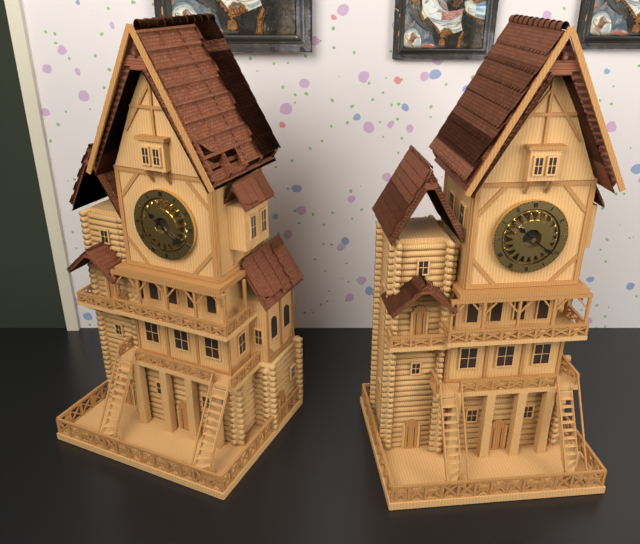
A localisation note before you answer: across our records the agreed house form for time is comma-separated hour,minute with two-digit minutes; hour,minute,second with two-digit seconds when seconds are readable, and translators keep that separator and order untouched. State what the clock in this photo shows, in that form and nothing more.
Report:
10,21
